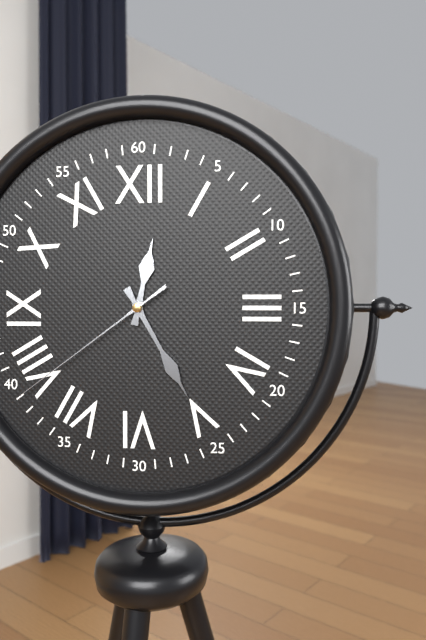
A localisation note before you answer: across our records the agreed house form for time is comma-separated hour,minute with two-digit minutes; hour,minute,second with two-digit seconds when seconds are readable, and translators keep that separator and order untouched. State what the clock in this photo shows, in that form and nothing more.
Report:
12,25,39
